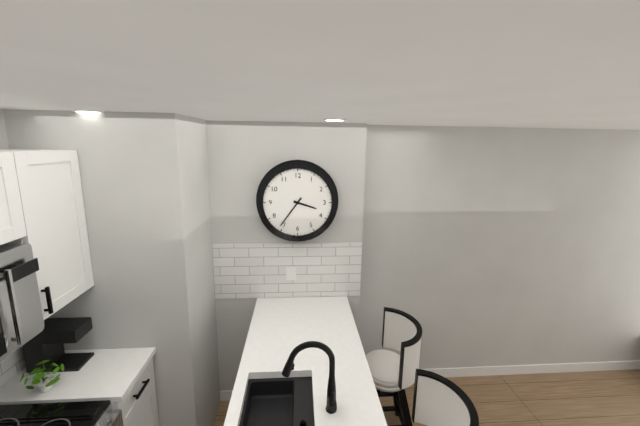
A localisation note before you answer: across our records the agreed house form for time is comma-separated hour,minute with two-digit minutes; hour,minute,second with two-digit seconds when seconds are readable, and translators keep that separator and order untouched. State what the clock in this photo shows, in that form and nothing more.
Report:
3,36
